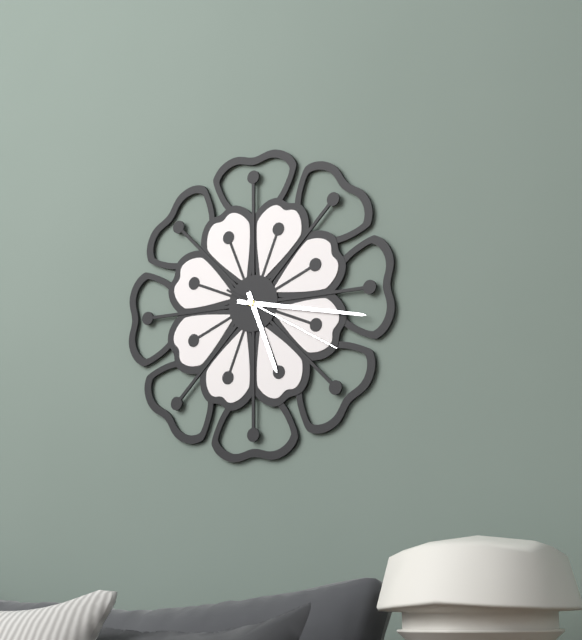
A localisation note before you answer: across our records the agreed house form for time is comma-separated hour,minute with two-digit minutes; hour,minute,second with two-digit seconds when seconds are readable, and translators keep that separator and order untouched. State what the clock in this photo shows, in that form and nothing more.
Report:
5,17,20
